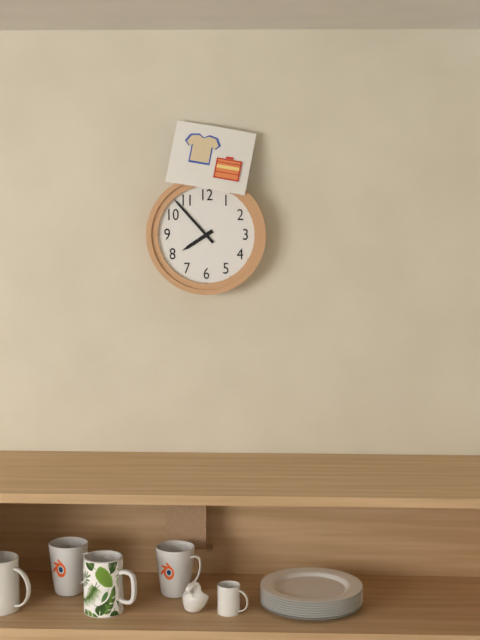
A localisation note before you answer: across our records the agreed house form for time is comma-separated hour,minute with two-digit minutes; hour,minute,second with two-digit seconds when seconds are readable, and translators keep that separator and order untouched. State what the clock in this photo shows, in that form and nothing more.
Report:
7,53
